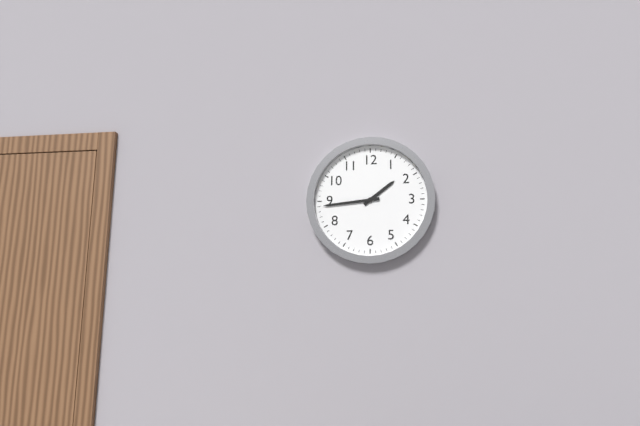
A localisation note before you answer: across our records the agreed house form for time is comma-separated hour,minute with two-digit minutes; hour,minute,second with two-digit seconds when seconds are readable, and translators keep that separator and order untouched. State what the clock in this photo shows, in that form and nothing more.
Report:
1,44
